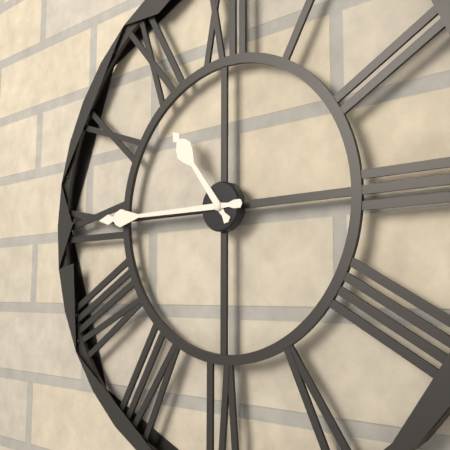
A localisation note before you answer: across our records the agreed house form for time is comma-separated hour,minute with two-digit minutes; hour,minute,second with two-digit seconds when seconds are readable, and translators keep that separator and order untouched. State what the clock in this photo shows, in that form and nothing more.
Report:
10,45
